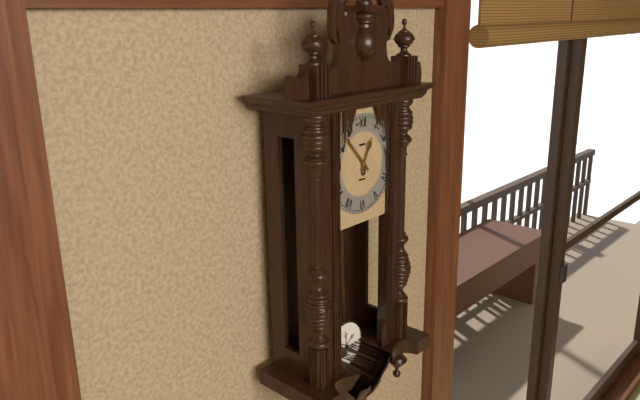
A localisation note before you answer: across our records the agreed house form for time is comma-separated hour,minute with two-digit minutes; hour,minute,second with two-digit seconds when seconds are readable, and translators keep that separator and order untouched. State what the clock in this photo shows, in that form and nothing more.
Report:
12,53
